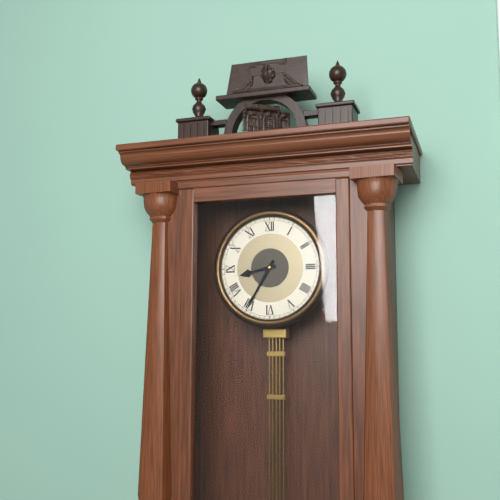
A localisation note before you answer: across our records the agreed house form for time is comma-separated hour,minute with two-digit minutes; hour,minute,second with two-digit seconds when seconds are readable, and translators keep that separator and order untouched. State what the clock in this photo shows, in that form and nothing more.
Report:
8,35
